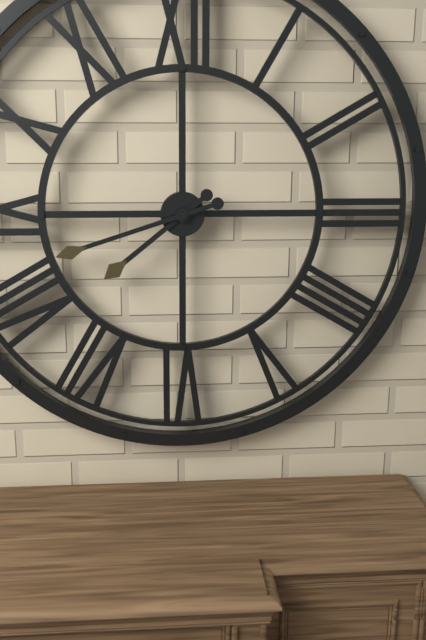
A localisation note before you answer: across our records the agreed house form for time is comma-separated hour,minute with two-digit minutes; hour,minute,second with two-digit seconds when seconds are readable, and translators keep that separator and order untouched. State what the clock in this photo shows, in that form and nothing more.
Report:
7,42
